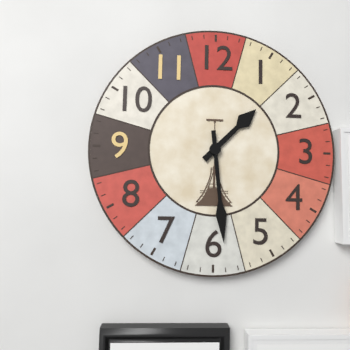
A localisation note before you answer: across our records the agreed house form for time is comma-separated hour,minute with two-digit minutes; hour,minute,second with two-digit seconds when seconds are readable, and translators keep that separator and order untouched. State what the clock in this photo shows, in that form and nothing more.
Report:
1,29
